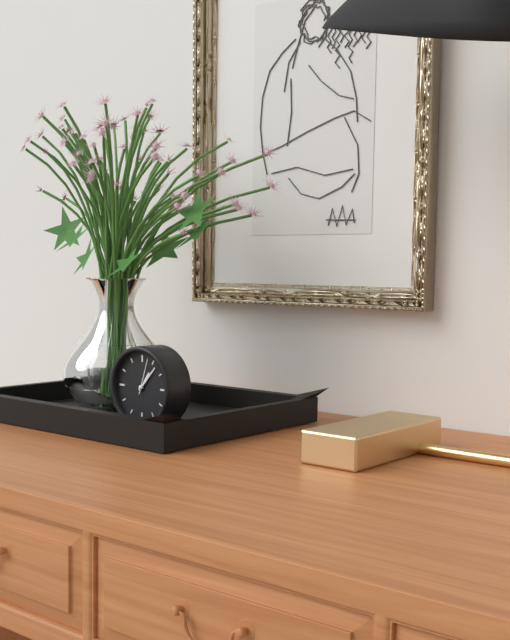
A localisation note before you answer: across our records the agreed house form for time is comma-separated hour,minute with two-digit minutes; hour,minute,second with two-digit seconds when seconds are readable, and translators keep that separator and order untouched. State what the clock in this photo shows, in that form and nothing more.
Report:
1,07
